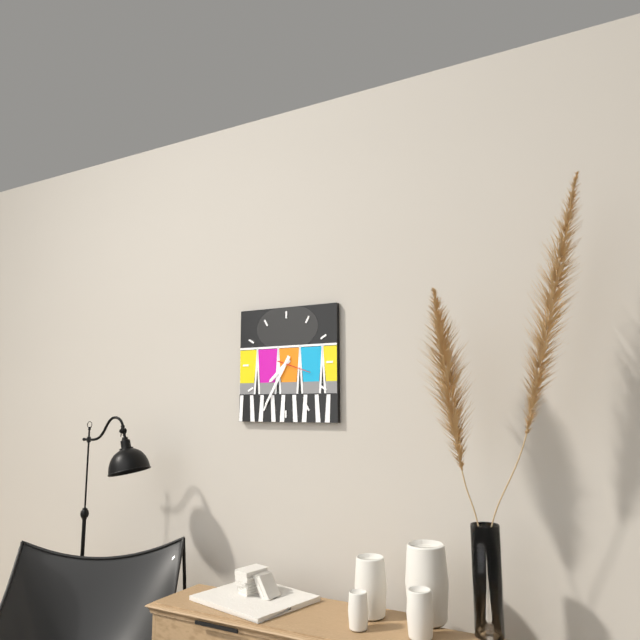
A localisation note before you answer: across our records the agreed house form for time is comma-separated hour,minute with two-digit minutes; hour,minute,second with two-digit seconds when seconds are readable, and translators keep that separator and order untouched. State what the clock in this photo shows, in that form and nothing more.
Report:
7,35
